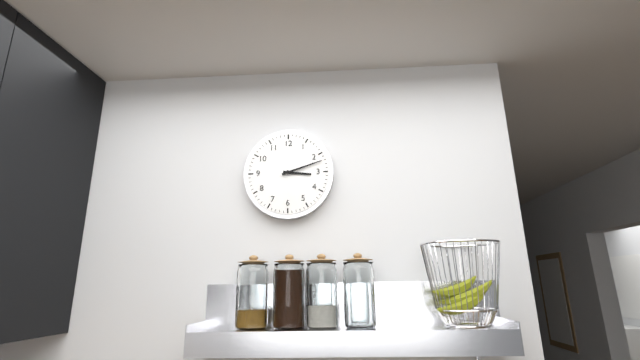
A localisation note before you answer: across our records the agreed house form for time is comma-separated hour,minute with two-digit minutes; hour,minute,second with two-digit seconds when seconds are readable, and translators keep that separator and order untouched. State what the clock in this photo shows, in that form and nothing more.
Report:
3,12
